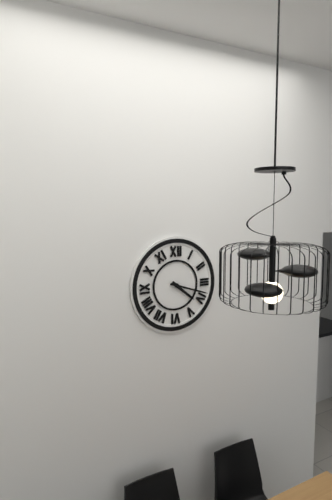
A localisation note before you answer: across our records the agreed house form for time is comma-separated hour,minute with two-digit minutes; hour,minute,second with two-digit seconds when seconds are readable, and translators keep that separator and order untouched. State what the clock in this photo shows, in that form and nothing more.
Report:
4,18
